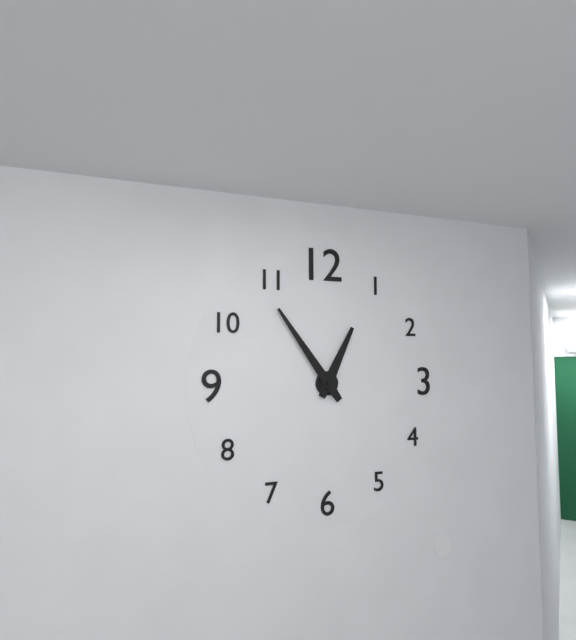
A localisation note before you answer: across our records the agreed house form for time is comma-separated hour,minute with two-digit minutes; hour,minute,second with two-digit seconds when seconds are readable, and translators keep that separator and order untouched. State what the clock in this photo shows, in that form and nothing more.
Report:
12,54
